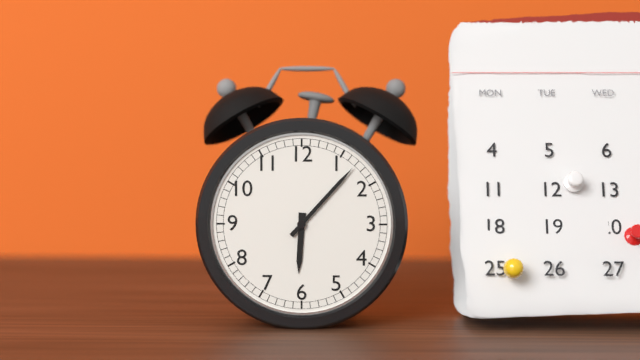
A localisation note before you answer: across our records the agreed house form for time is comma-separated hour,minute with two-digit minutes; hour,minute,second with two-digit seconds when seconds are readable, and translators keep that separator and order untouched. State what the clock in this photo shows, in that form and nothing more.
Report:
6,07
